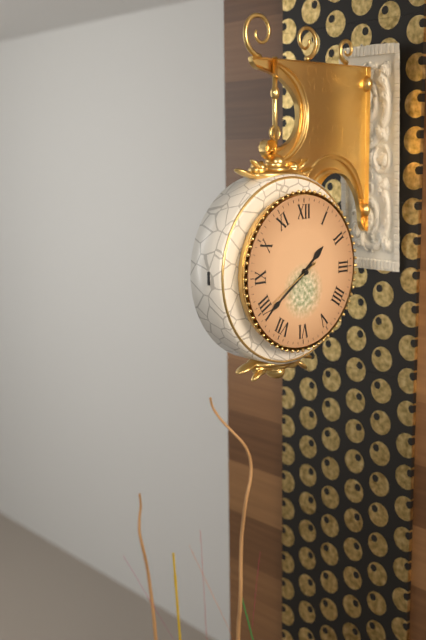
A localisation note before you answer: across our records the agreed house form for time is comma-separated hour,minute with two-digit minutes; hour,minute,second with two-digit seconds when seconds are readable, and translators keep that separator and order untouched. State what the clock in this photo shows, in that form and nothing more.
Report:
1,39,40
